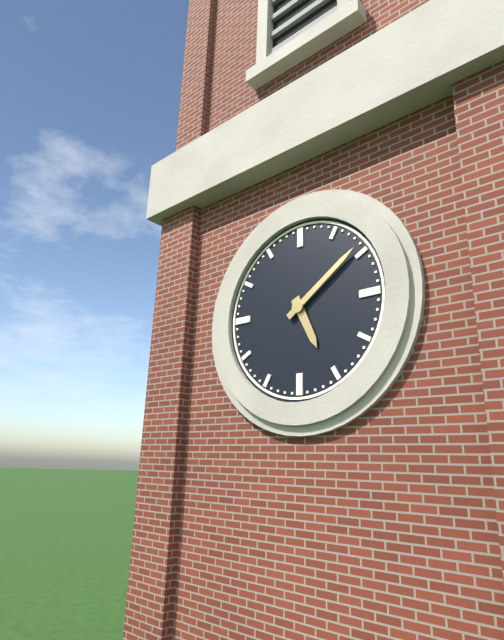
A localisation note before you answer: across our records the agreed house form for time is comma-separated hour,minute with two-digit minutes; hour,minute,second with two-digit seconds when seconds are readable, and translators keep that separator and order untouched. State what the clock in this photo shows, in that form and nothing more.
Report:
5,09
